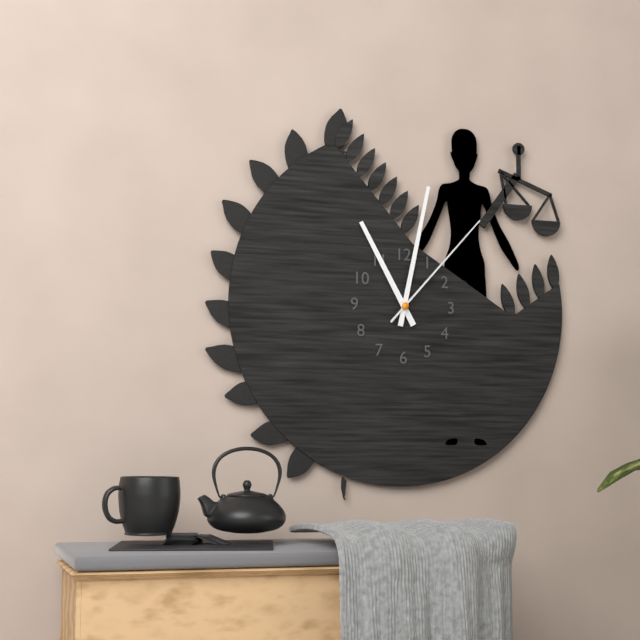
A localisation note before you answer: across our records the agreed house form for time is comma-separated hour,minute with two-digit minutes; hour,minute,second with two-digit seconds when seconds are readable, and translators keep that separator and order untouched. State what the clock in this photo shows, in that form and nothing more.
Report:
11,02,07
